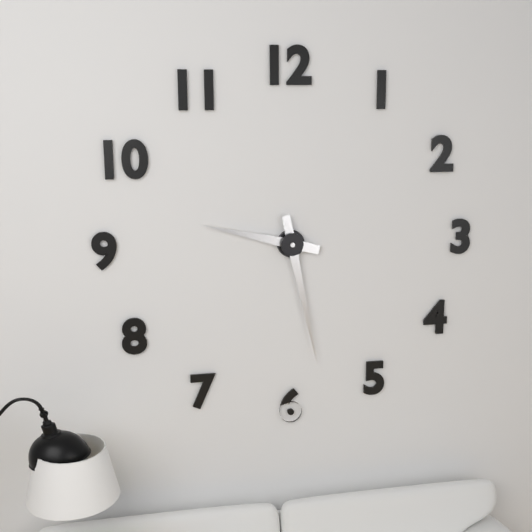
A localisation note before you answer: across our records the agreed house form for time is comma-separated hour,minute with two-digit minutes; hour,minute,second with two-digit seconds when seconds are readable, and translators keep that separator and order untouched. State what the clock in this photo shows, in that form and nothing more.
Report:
9,28
